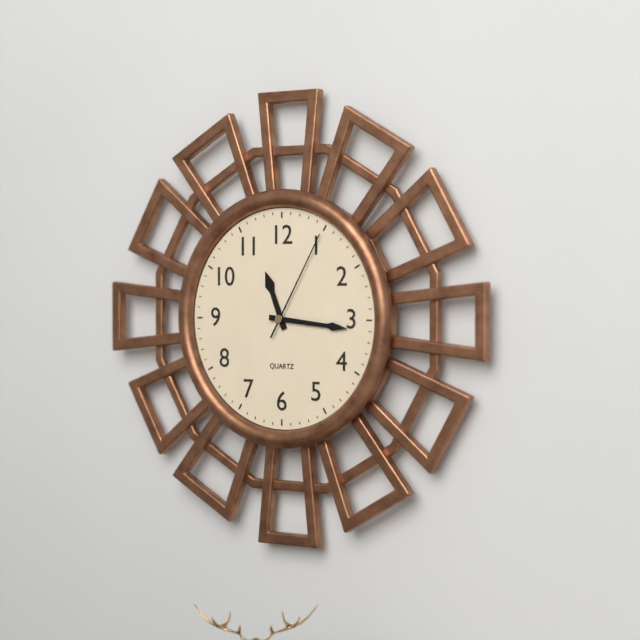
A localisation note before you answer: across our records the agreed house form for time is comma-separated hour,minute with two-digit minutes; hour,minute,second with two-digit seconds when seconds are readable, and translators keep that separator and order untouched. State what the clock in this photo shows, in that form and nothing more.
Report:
11,16,05
